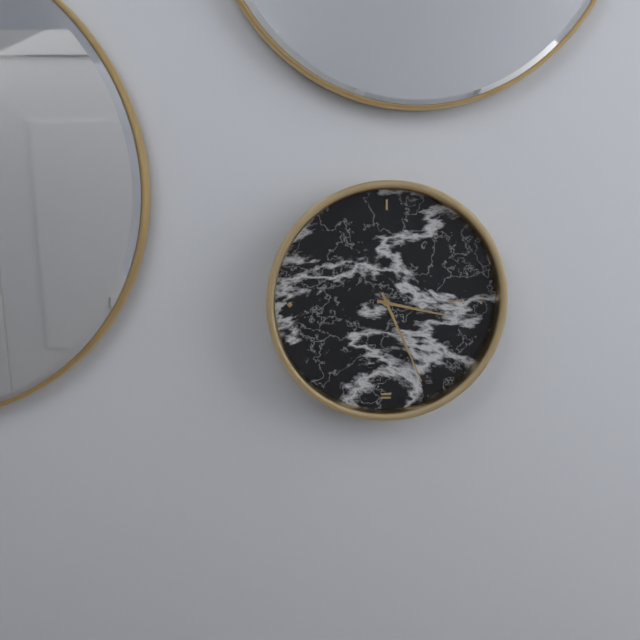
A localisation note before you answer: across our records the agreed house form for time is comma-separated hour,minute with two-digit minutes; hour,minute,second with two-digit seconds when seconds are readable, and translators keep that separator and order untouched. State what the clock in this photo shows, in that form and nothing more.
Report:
3,26
